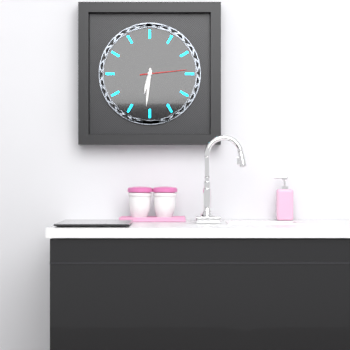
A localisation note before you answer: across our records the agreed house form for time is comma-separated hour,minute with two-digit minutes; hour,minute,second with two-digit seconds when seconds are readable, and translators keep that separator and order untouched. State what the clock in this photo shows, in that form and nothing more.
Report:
6,31
